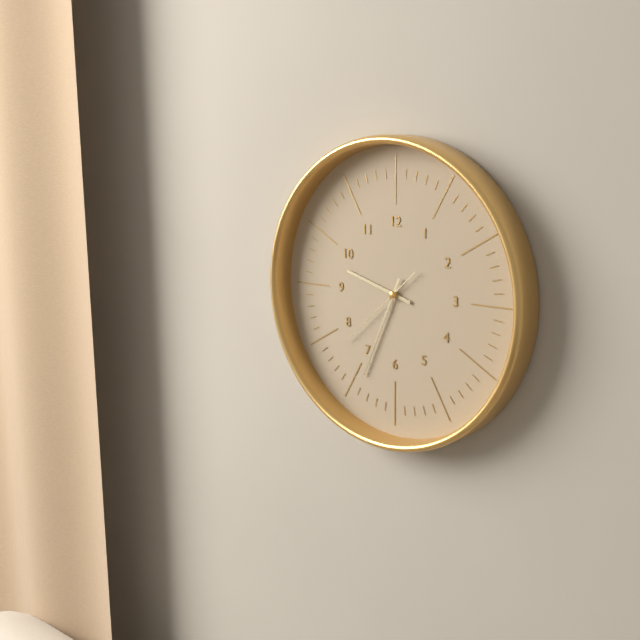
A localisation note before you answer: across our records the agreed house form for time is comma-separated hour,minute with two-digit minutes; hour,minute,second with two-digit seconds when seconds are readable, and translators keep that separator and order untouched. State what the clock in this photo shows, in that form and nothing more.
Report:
9,34,38
